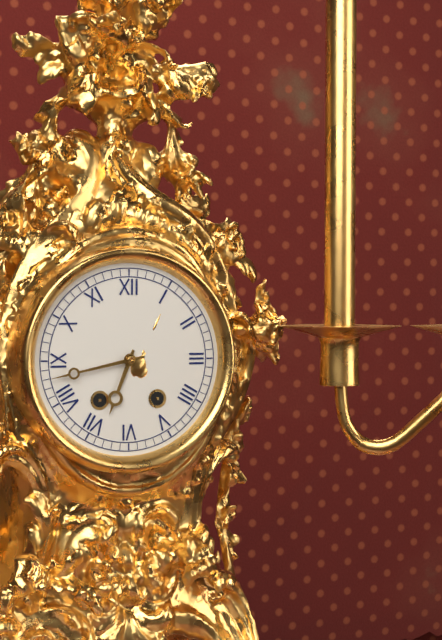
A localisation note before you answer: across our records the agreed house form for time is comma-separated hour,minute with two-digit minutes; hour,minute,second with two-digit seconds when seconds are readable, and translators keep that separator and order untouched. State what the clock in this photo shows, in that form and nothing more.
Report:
6,43
